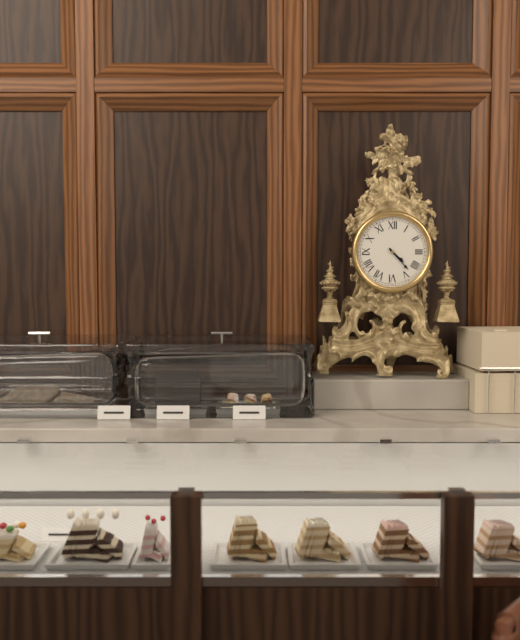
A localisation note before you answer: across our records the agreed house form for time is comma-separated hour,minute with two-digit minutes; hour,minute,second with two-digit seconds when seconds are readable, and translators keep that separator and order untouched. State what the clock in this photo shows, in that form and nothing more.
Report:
4,23
